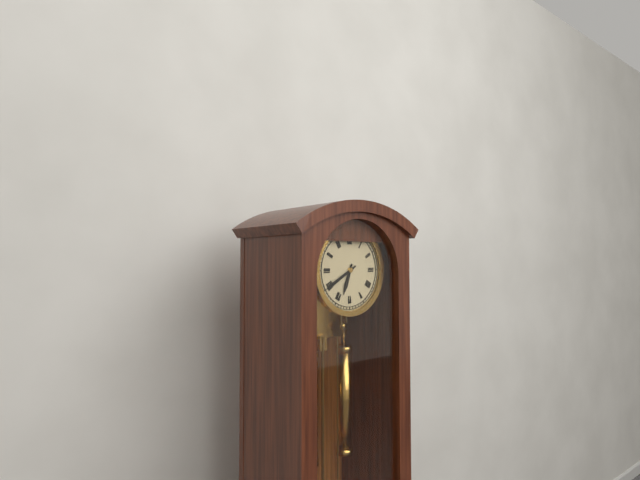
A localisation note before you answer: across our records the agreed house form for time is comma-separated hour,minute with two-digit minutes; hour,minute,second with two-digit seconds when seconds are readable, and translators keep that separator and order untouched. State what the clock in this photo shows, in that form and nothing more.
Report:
6,40
